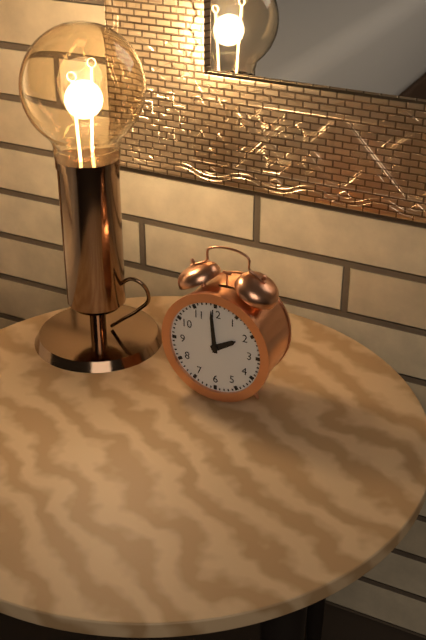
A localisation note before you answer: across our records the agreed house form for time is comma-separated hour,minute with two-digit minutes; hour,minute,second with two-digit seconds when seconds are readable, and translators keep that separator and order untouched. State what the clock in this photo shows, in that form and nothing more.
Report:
1,59
